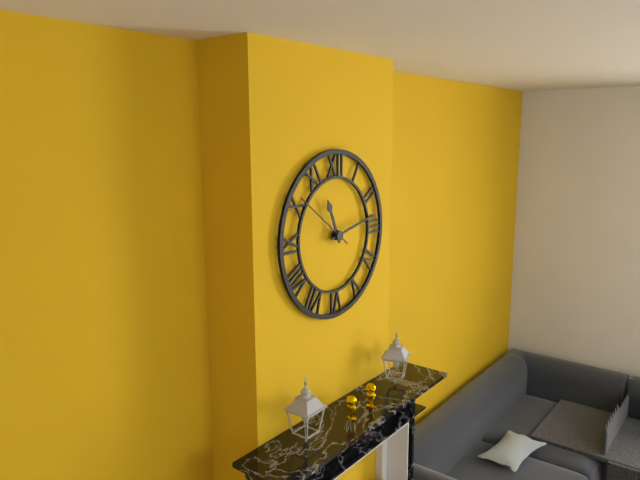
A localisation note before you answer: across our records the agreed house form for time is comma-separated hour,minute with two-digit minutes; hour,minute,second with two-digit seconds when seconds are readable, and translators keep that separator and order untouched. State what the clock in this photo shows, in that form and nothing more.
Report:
11,13,51
